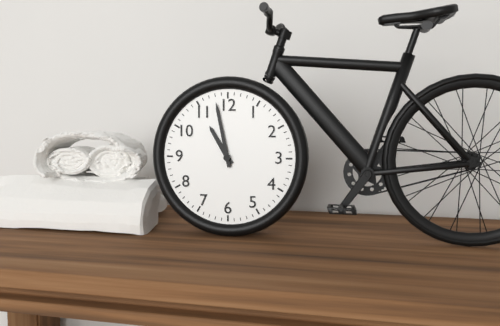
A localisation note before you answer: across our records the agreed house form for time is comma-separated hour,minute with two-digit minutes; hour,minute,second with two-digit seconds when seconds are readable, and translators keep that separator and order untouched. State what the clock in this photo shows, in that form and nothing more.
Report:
10,58
